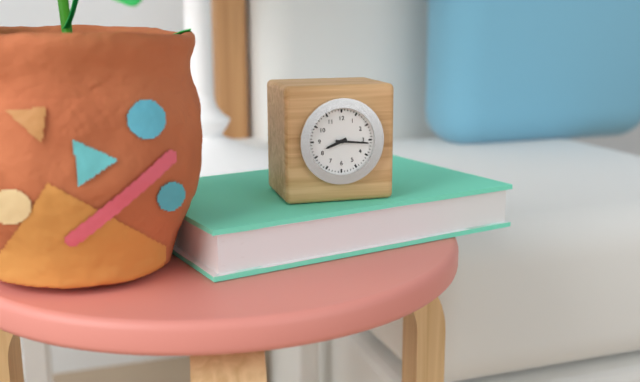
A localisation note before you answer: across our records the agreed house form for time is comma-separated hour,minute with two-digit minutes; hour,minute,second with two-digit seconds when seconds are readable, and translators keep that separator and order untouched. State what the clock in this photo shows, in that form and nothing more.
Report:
8,16
